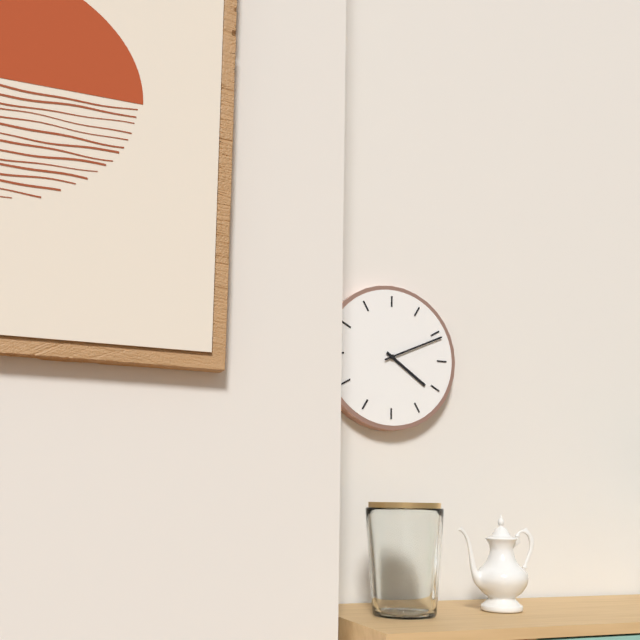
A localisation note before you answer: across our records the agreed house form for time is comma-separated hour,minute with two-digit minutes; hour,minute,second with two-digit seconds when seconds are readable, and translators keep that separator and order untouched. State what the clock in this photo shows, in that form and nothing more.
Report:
4,11
